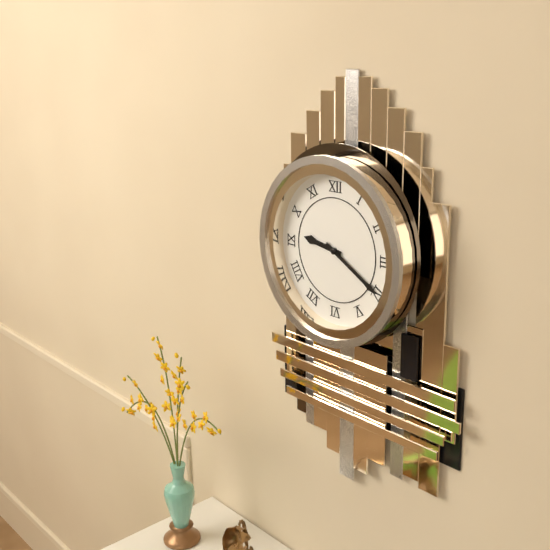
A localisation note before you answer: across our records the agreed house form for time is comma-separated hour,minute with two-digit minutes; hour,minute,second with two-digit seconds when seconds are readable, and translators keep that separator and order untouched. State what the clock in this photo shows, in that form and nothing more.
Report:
9,20
